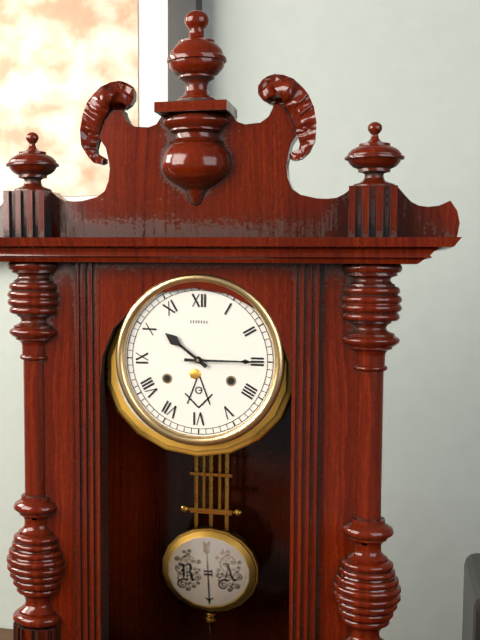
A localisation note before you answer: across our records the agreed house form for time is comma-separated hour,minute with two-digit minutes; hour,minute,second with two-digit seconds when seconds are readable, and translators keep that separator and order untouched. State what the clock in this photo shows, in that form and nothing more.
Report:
10,15
